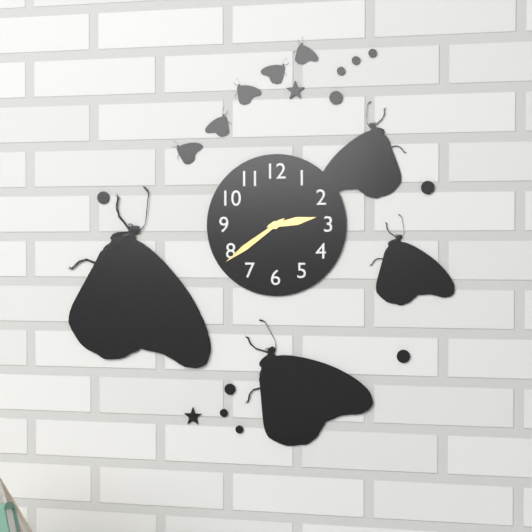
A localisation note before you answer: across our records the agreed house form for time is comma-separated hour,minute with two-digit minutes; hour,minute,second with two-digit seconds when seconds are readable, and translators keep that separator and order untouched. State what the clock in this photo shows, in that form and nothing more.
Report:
2,39
